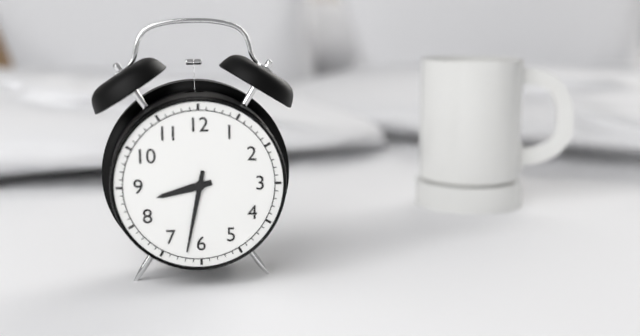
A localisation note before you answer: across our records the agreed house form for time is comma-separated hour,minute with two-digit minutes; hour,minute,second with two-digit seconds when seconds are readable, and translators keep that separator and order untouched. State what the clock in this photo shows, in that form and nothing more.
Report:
8,32
